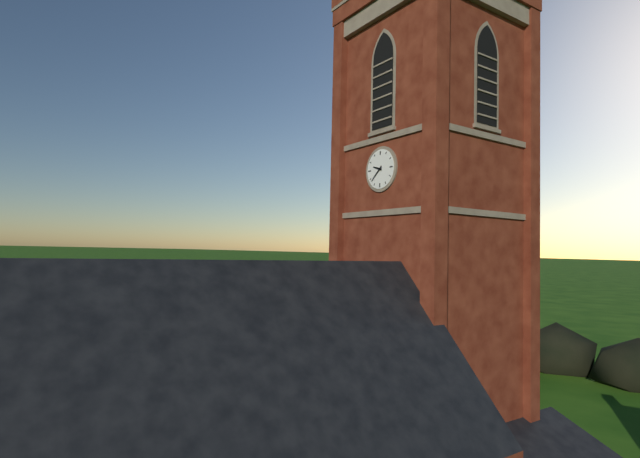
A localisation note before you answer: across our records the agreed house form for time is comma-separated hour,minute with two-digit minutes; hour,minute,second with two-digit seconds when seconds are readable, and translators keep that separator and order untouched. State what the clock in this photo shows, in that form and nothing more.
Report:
9,38
